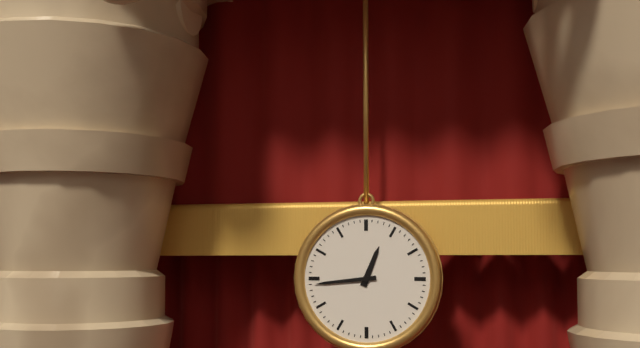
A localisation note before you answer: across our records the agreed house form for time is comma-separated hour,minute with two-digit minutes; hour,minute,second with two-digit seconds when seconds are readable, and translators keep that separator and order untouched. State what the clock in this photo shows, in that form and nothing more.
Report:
12,44
